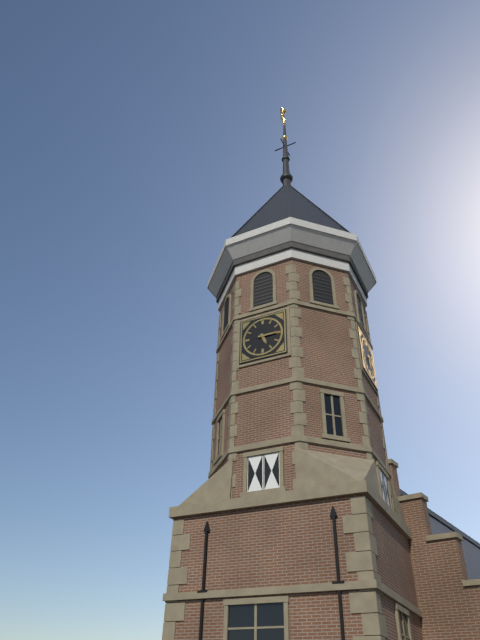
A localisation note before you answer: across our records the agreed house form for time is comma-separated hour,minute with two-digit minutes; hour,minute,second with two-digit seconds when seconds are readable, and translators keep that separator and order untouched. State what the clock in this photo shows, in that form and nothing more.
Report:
5,15
